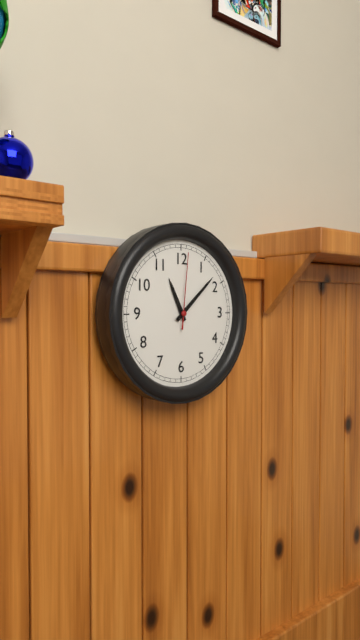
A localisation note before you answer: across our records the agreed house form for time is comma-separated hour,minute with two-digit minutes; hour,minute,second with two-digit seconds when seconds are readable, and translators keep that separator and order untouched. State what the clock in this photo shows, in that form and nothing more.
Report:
11,08,01
